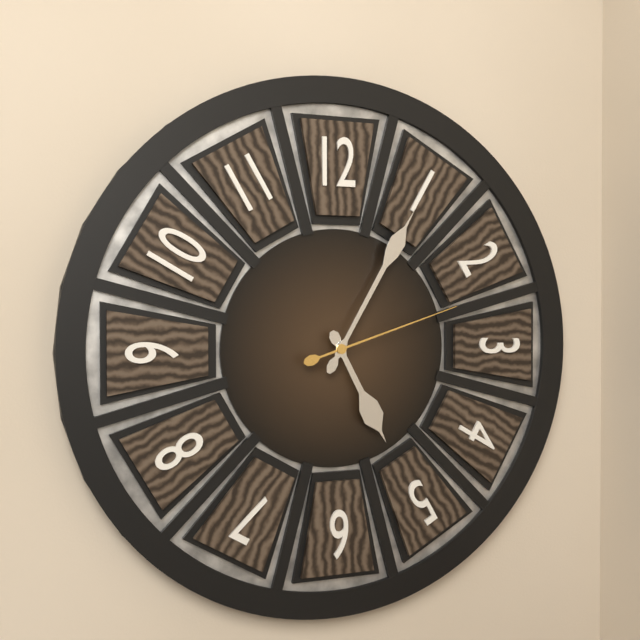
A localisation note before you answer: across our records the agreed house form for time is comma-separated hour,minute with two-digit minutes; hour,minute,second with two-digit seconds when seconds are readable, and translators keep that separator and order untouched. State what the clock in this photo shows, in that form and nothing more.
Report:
5,05,12
